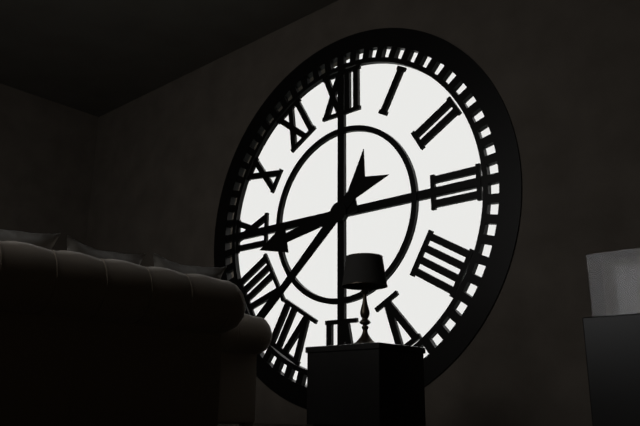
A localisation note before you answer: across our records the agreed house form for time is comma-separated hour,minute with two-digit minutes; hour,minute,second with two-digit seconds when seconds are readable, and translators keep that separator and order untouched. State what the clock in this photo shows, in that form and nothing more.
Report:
8,38
